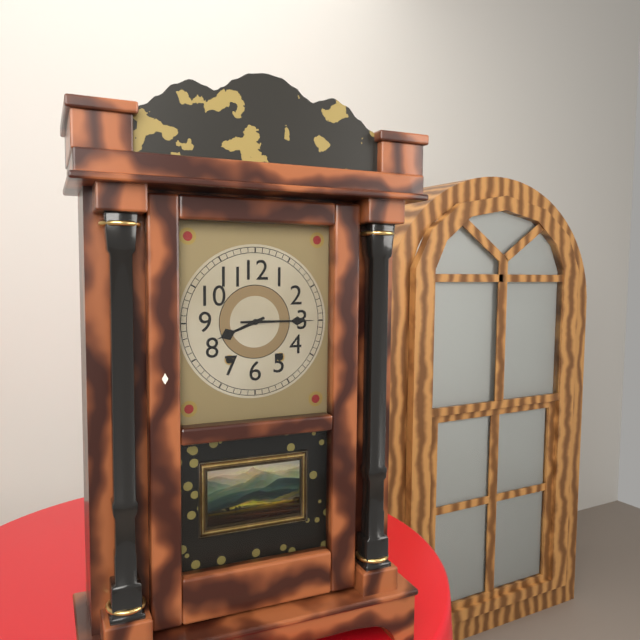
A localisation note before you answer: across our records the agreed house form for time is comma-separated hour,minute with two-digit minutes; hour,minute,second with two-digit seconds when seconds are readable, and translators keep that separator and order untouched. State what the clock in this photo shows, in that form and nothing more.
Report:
8,15
